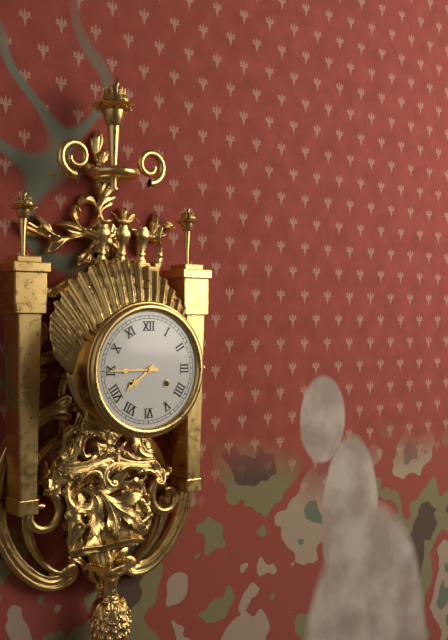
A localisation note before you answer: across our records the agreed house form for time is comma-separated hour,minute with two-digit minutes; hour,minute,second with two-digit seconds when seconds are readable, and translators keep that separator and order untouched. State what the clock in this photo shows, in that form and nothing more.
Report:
7,45
